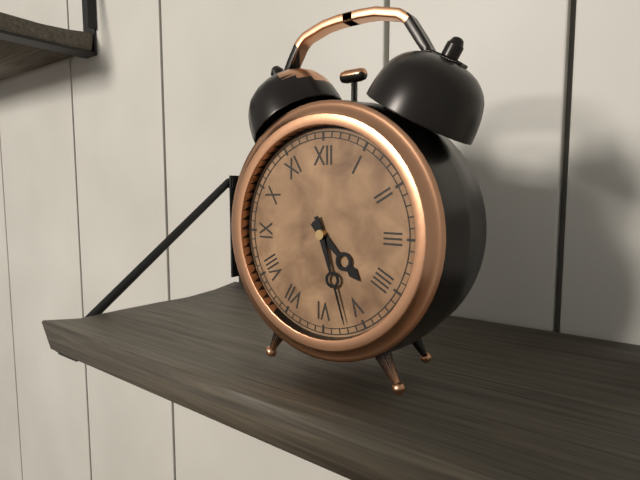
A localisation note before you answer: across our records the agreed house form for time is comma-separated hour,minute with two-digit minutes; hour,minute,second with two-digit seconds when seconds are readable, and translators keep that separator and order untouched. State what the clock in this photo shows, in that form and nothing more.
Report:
4,27
